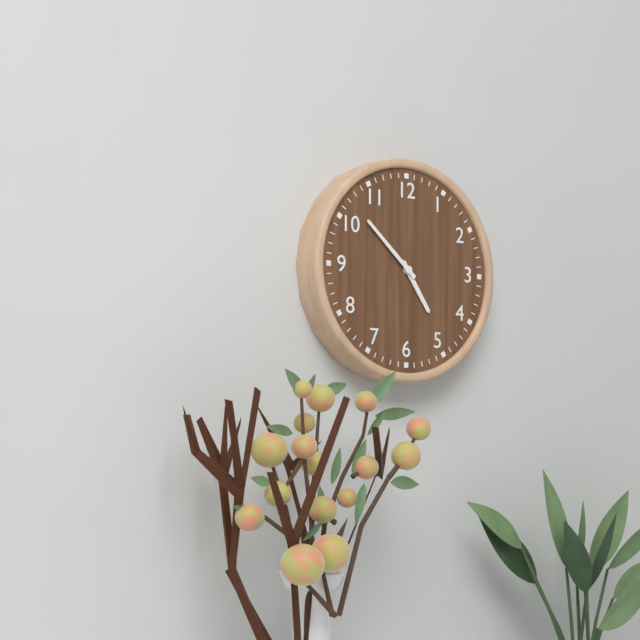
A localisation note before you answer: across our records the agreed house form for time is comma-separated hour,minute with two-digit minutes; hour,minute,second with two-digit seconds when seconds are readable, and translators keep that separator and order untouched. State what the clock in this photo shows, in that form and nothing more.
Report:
4,52
